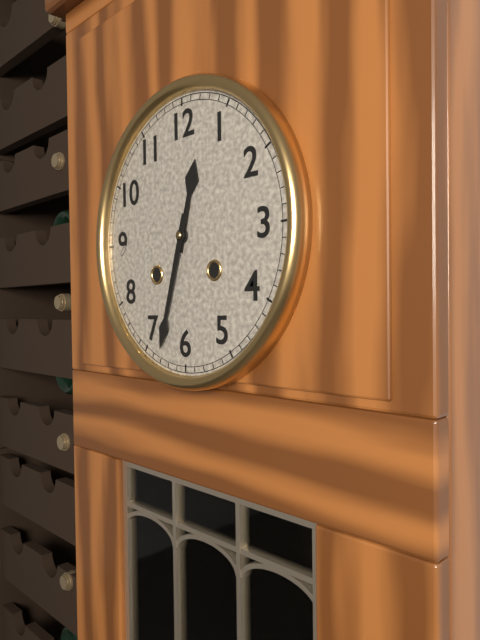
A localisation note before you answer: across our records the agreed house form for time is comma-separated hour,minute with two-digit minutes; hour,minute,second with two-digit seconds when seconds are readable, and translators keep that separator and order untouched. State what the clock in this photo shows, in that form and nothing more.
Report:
12,33
